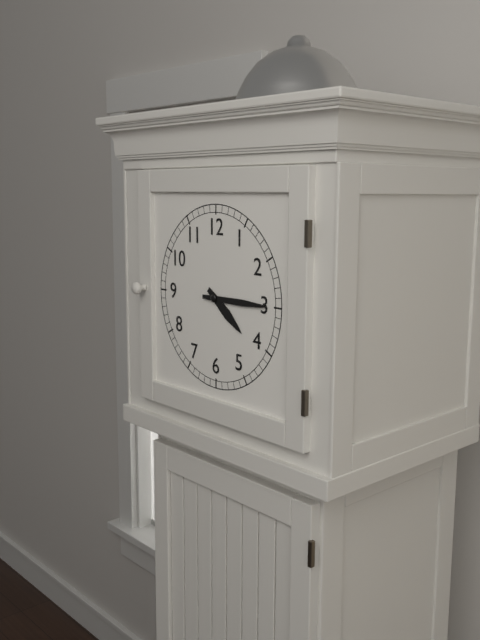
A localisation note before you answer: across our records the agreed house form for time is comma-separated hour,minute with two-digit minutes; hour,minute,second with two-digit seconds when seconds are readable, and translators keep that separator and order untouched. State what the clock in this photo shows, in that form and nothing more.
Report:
4,15
